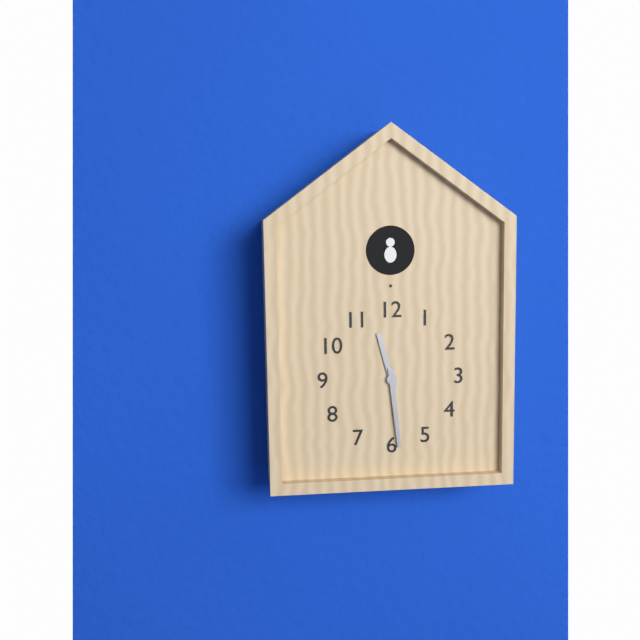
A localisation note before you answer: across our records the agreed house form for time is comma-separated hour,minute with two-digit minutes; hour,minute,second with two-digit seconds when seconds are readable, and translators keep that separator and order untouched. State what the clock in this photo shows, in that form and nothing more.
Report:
11,29
